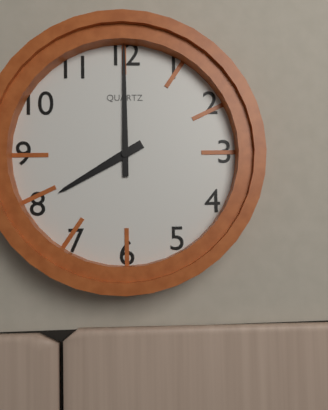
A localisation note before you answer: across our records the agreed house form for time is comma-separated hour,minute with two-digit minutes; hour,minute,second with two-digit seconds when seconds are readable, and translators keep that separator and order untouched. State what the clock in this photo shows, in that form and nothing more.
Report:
8,00
